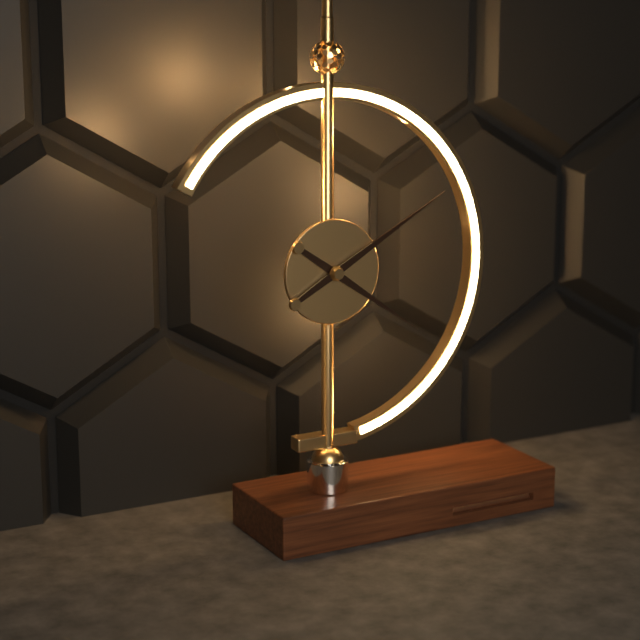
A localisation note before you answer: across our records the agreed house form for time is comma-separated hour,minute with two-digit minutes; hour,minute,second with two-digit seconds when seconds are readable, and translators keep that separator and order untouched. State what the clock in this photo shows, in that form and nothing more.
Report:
4,10
